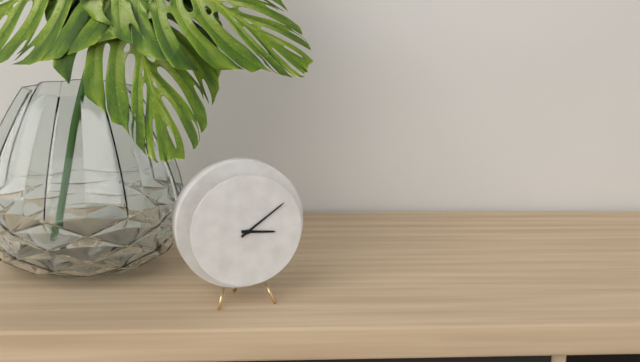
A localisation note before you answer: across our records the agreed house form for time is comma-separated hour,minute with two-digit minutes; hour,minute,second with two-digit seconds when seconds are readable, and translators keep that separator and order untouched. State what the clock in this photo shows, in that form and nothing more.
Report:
3,09
